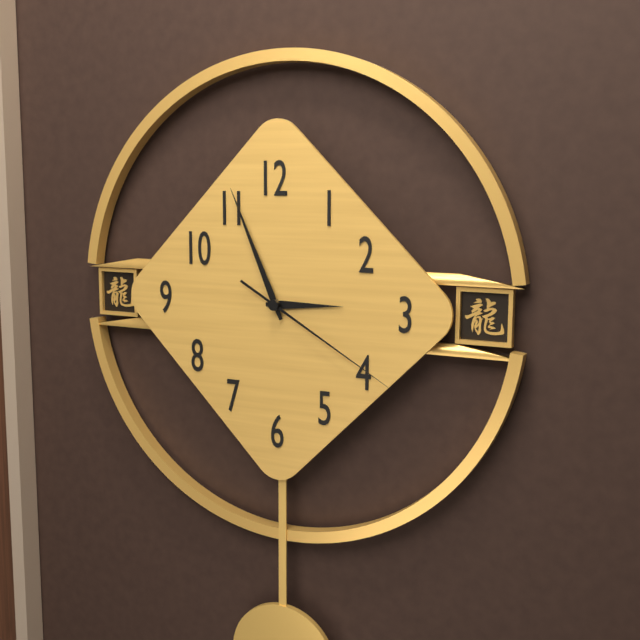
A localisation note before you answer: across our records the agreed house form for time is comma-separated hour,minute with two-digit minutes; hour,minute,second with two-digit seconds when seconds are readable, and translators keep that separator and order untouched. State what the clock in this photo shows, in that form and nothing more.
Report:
2,56,20
